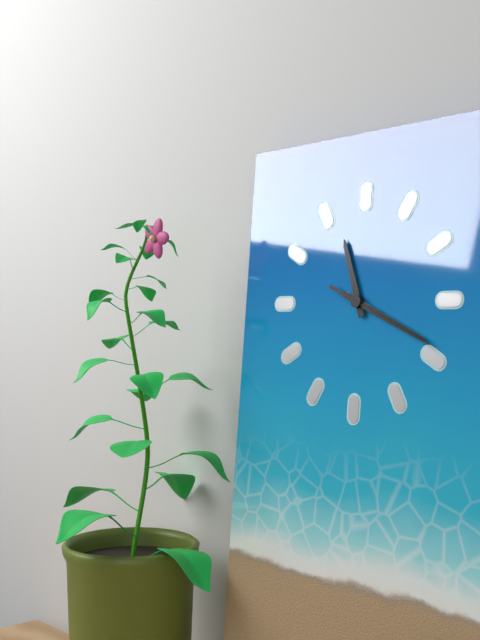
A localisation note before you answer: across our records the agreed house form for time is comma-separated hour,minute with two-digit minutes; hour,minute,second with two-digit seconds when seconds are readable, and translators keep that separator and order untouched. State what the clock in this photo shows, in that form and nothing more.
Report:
11,19,19
